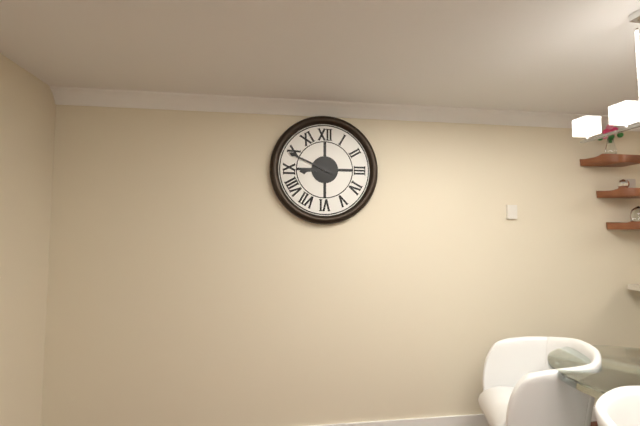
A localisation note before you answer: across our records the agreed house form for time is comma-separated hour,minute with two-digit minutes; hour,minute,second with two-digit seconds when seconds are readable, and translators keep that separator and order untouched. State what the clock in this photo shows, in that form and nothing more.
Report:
8,49
